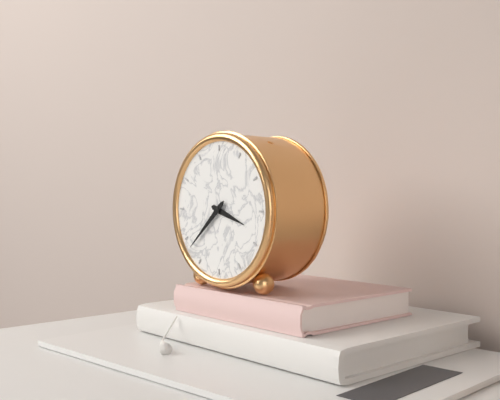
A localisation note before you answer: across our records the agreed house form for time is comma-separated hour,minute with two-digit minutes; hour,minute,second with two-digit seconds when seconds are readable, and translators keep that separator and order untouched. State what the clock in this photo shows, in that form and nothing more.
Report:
3,38
